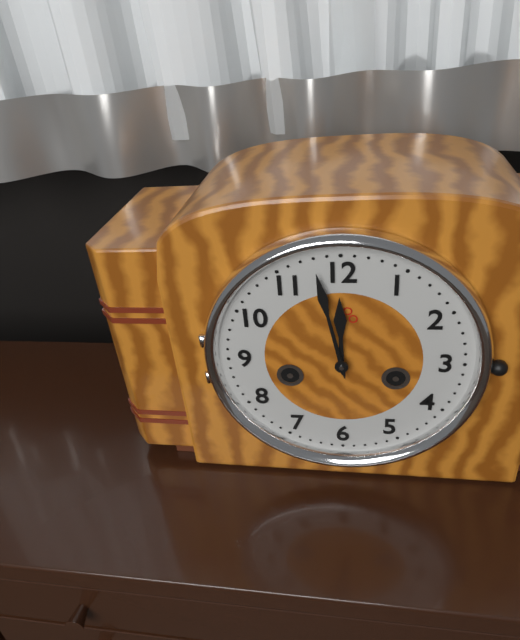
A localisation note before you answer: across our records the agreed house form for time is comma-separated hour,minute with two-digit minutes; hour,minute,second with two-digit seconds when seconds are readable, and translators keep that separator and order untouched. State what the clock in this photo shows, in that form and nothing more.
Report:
11,58
